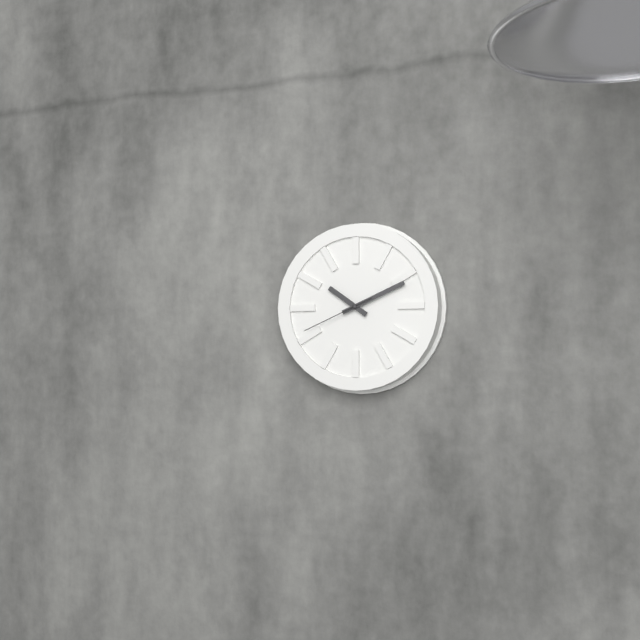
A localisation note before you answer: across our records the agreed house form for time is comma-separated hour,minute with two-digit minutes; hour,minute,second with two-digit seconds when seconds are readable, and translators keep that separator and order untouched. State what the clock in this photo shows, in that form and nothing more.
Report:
10,11,41
